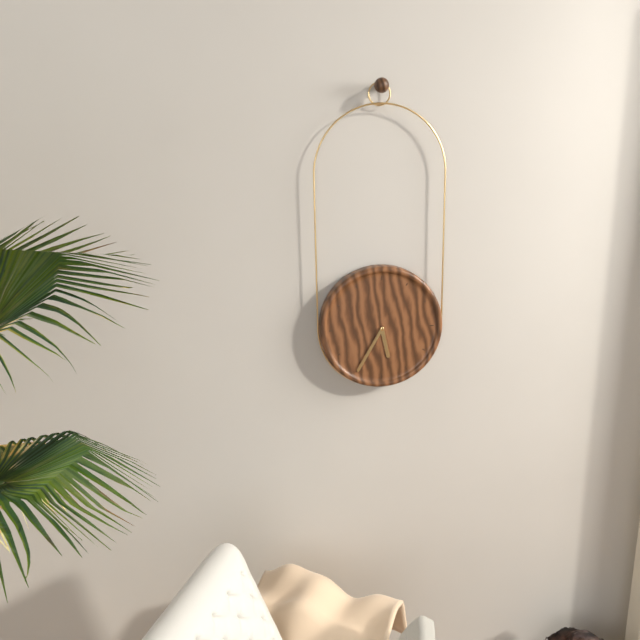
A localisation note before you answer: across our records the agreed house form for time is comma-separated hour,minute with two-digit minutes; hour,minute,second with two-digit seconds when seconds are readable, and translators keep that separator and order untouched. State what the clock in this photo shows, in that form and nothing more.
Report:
5,35
